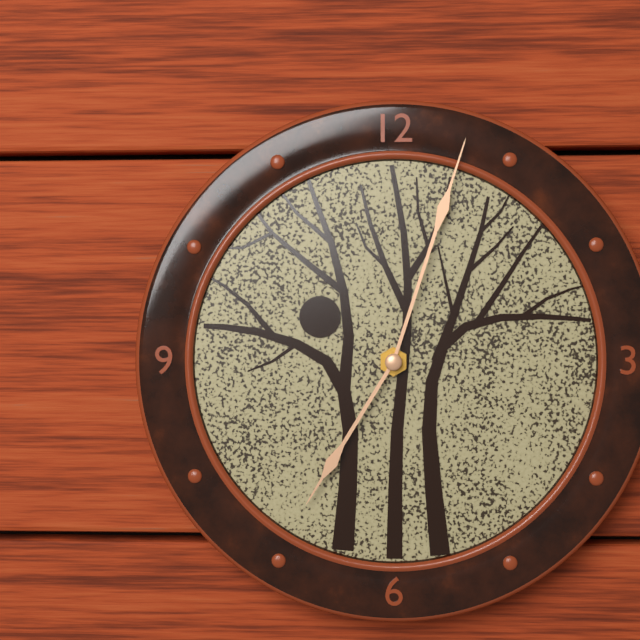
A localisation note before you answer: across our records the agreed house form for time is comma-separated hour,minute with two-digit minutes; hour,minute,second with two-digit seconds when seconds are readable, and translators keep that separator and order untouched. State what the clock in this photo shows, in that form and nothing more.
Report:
7,03
